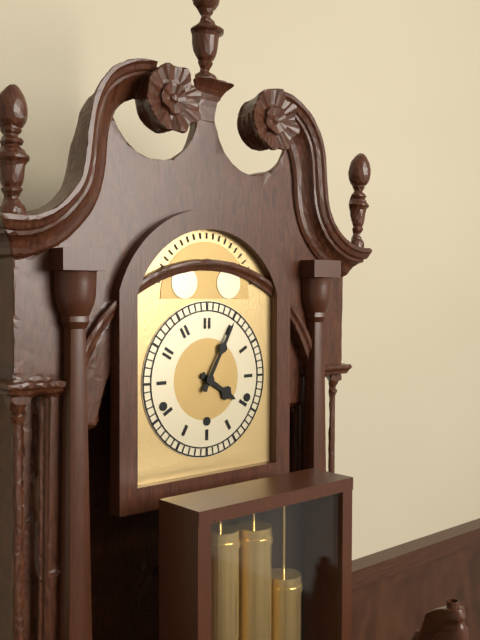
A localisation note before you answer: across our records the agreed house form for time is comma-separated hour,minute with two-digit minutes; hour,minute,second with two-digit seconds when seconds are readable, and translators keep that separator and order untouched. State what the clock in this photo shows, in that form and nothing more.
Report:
4,05
